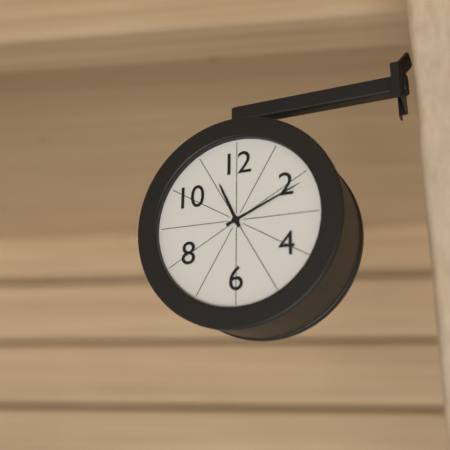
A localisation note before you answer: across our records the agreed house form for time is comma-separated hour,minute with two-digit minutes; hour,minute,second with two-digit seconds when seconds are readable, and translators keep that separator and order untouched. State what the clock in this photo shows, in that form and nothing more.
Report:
11,11
